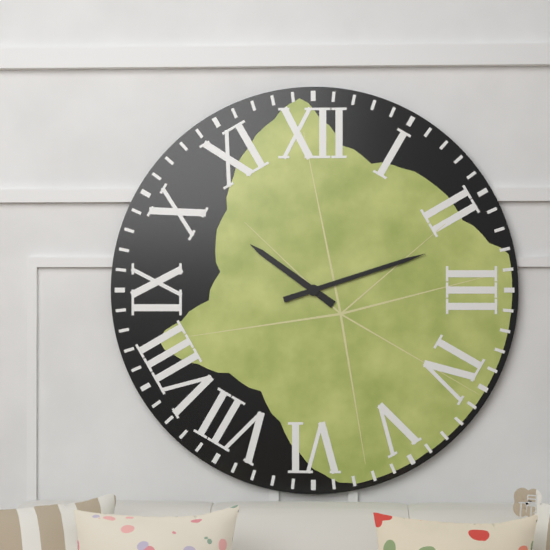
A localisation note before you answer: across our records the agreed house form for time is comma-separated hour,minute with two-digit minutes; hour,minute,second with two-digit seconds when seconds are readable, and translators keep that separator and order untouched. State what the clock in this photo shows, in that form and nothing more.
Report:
10,12
